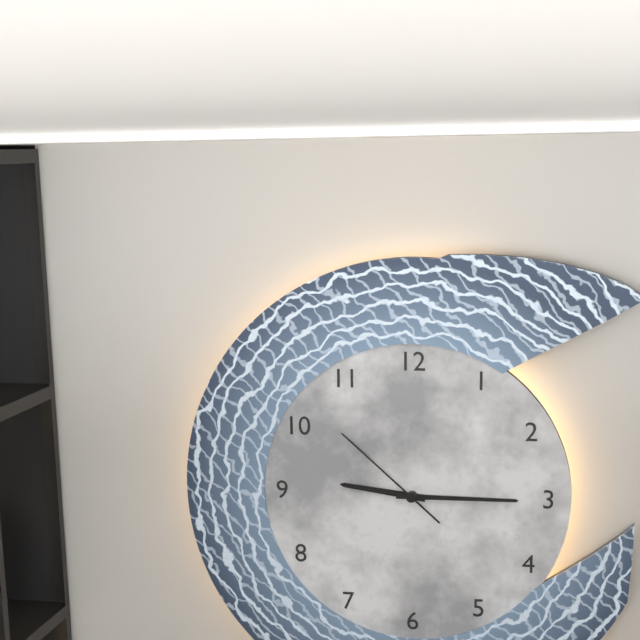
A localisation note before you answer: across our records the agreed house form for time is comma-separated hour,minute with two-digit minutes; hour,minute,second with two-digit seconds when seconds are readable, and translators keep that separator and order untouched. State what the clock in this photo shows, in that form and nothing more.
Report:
9,15,52
